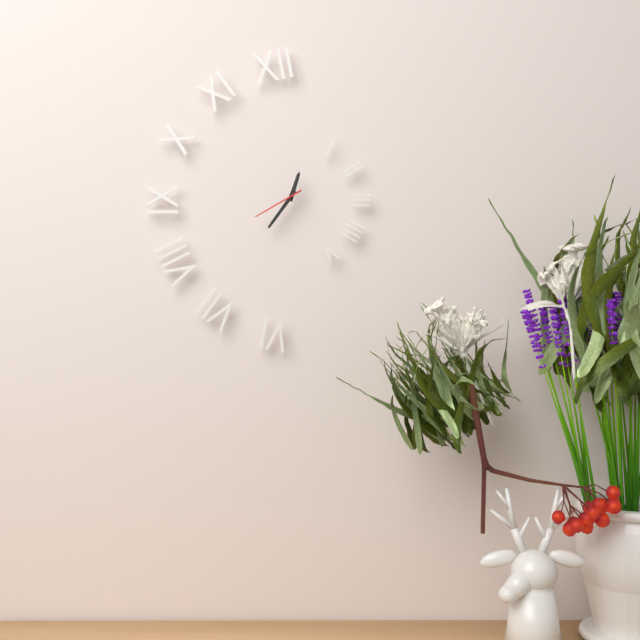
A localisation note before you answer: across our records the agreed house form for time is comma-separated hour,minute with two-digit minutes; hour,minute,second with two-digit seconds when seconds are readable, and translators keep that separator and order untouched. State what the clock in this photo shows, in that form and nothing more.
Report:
12,36,40
